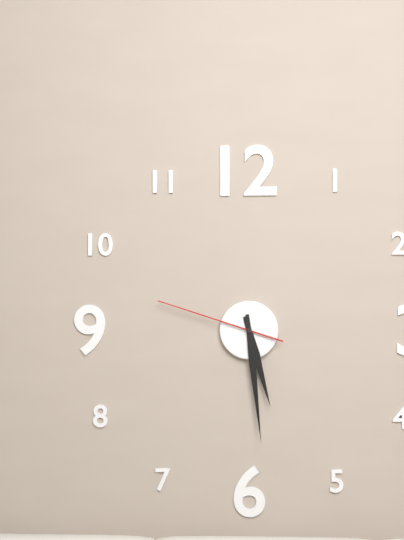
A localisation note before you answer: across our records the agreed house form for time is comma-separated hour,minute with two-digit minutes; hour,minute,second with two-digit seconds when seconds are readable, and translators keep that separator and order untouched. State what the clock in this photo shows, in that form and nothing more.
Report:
5,29,48
